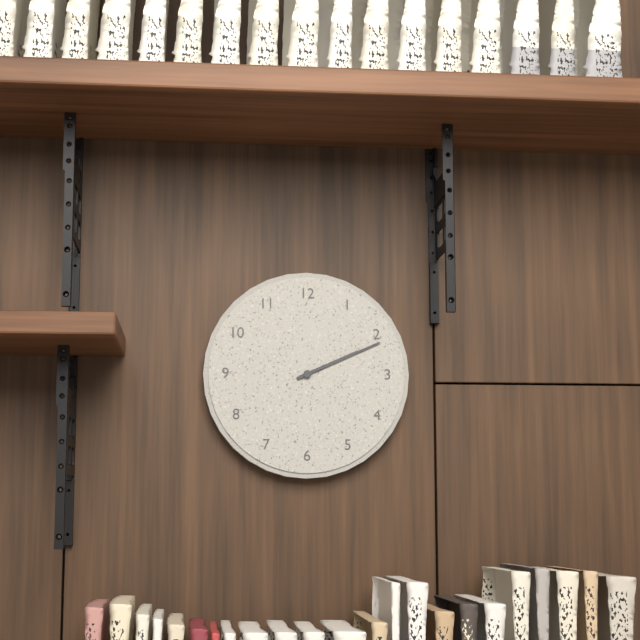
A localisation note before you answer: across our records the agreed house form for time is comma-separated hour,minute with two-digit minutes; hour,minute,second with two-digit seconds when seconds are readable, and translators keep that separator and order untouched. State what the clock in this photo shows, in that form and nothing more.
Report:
2,11
